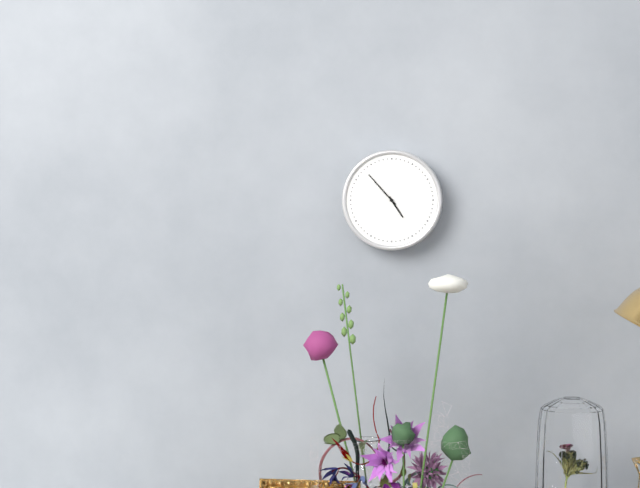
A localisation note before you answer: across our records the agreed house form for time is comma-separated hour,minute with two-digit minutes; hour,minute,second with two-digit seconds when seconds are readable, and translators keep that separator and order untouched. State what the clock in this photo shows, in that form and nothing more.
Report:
4,53
